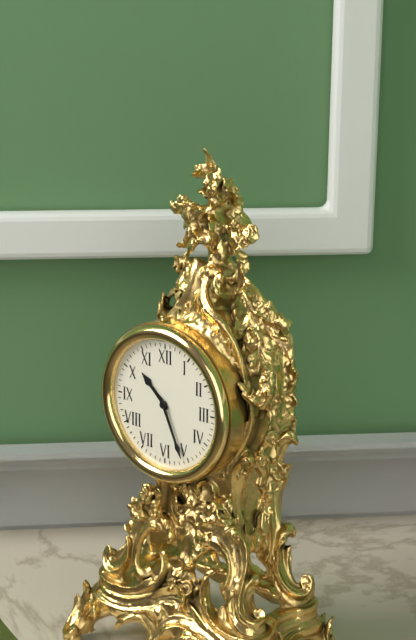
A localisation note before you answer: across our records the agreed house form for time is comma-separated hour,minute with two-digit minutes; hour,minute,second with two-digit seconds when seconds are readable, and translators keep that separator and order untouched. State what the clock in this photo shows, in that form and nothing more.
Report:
10,26
